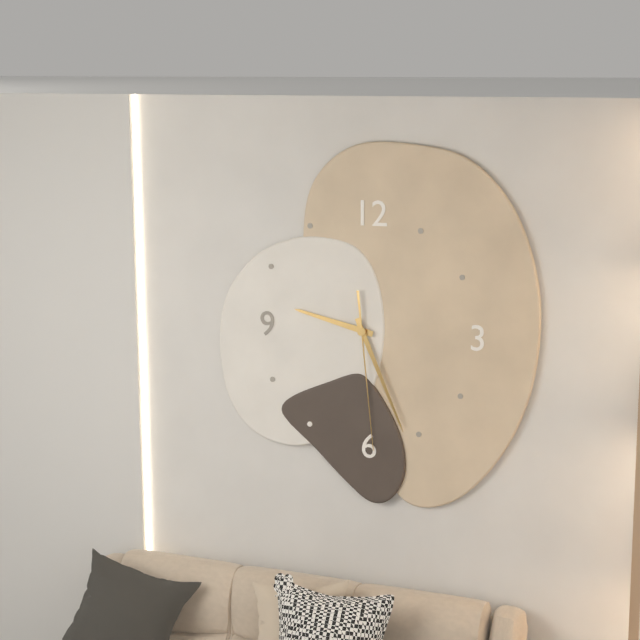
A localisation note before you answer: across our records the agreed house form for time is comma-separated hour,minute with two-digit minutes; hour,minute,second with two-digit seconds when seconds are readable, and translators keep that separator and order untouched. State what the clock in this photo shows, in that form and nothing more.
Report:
9,26,29
